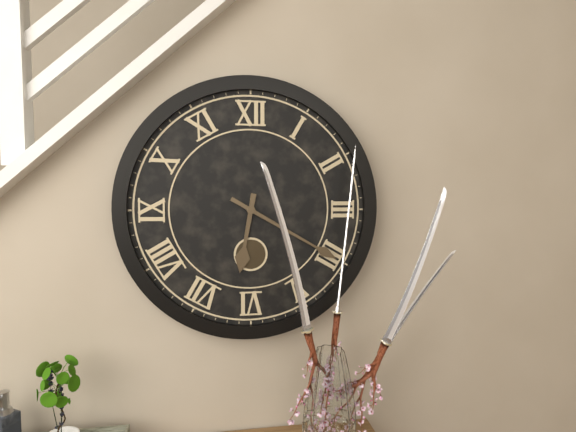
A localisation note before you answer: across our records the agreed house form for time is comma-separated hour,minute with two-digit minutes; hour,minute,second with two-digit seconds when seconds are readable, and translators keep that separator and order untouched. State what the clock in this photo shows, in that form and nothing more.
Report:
6,20
